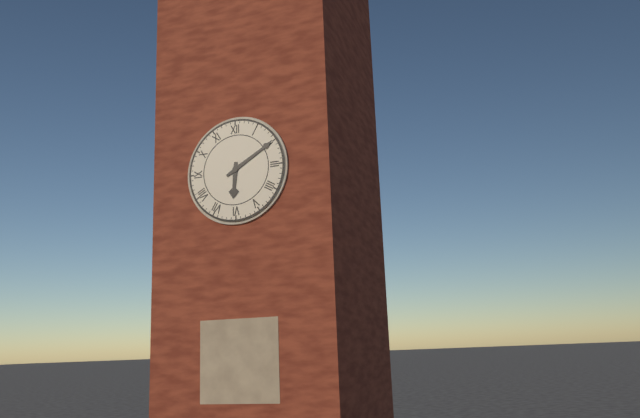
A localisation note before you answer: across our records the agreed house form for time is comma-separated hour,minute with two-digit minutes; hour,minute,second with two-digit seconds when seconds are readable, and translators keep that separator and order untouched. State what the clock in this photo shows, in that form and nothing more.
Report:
6,10
